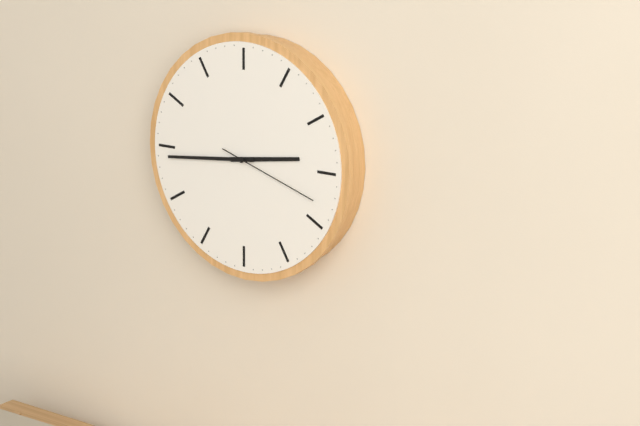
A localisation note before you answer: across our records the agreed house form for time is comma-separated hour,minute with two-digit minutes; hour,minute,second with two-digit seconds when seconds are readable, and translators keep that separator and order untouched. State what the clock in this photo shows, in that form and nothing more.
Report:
2,44,18
